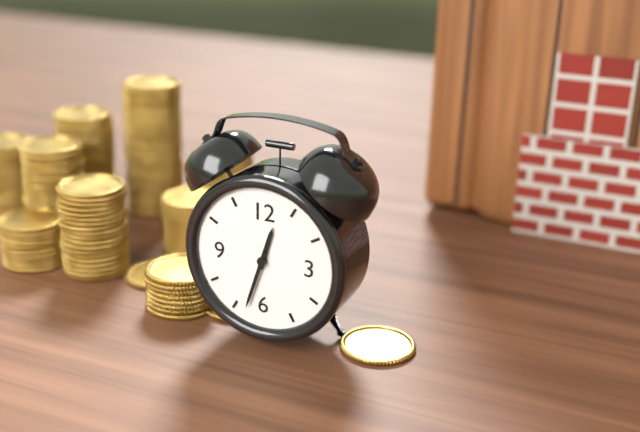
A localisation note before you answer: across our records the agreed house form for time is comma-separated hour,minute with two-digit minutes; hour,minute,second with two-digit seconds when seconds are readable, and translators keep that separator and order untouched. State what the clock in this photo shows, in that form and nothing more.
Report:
12,33
